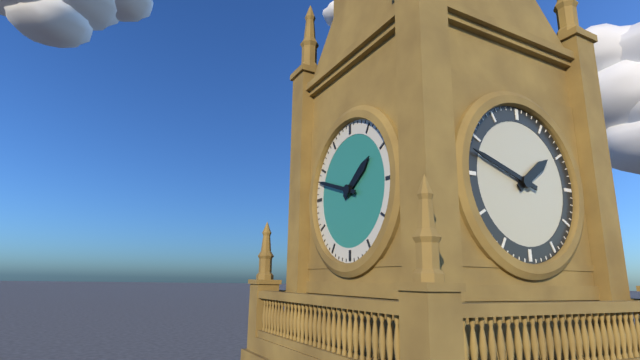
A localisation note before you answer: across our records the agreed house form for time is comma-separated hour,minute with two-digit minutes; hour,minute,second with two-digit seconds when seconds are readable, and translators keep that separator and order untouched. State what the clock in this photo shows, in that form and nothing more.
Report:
1,48
